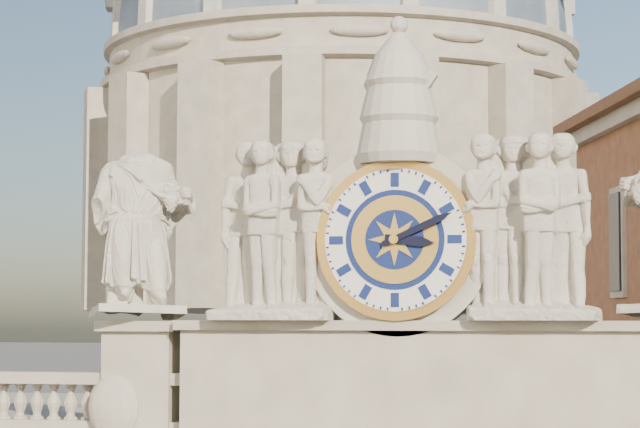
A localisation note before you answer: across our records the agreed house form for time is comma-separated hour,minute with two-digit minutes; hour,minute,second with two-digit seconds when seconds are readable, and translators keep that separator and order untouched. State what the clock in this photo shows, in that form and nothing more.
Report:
3,11
